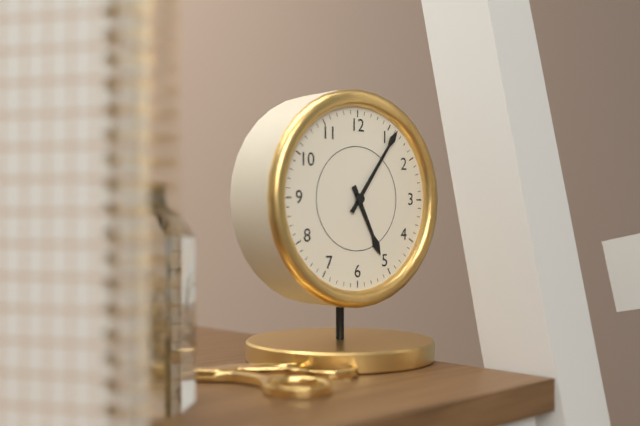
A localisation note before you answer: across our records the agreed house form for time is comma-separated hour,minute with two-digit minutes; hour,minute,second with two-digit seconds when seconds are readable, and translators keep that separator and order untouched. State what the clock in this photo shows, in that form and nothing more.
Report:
5,06
